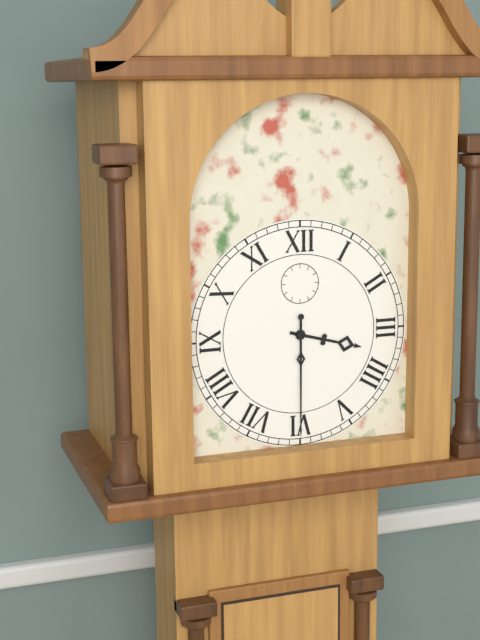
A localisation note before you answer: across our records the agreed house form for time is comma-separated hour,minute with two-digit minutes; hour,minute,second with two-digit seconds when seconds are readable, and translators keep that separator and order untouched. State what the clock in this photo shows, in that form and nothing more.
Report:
3,30
